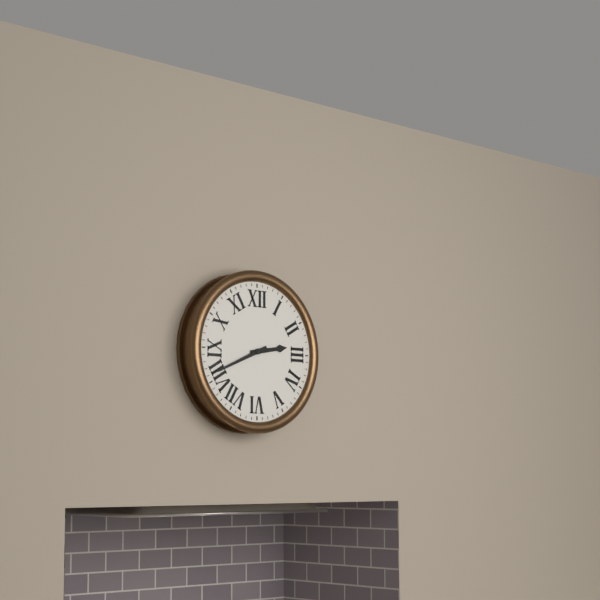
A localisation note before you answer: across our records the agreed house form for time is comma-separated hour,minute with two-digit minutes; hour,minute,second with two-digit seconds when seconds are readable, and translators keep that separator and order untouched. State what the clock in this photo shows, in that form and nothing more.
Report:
2,41
